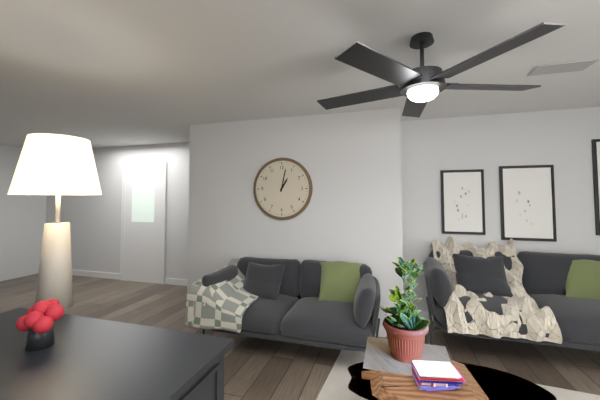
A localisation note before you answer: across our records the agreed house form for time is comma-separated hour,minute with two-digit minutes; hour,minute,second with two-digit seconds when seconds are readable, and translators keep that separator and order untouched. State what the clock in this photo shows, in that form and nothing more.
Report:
1,02
